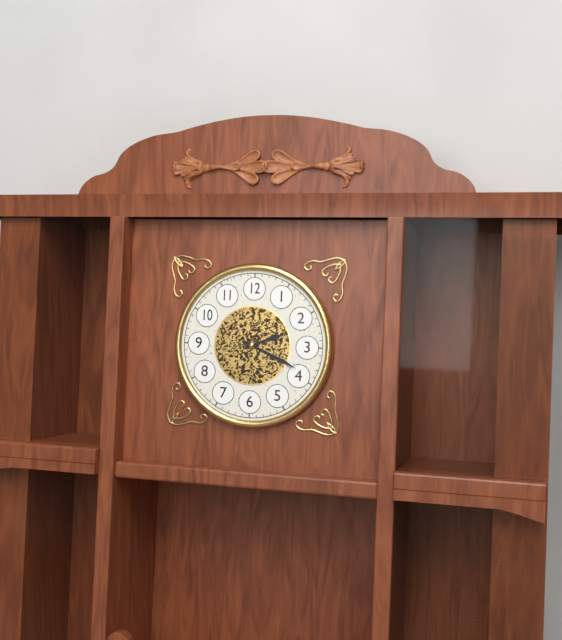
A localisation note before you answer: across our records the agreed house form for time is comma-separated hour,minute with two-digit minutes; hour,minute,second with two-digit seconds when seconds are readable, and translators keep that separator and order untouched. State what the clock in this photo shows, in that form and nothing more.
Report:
2,19
